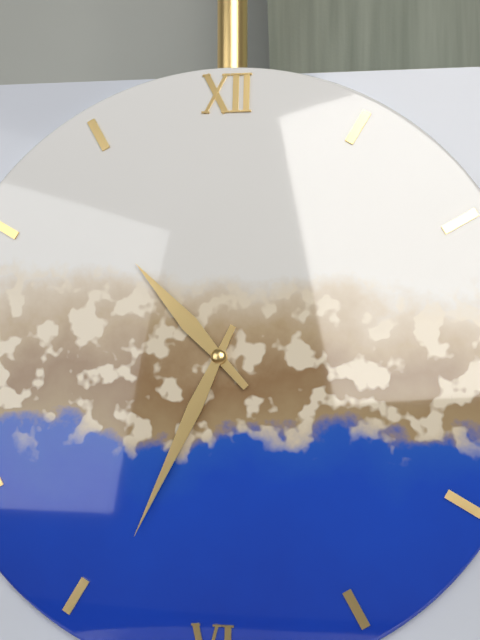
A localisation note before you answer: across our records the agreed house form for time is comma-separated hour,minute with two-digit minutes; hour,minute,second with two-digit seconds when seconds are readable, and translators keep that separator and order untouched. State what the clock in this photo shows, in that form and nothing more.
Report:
10,34
